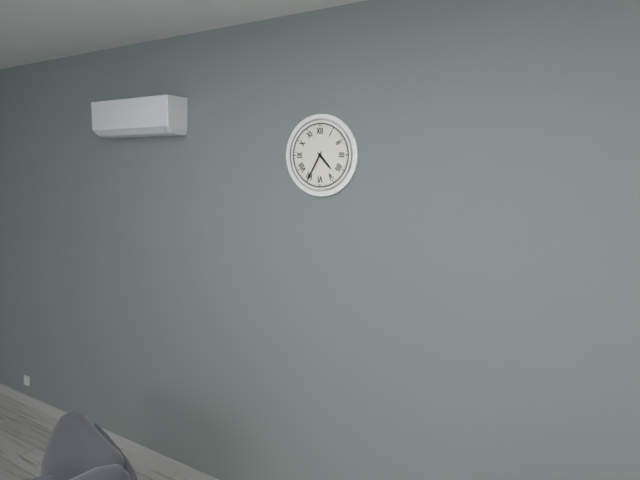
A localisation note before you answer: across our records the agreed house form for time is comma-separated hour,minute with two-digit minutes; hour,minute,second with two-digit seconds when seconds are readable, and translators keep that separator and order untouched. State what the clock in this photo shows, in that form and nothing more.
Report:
4,35
